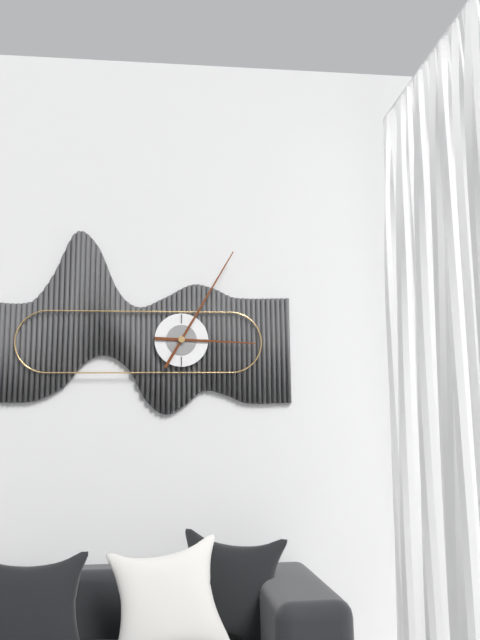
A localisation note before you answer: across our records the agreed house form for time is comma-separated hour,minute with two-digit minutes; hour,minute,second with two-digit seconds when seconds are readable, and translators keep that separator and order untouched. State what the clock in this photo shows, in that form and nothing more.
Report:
3,05
